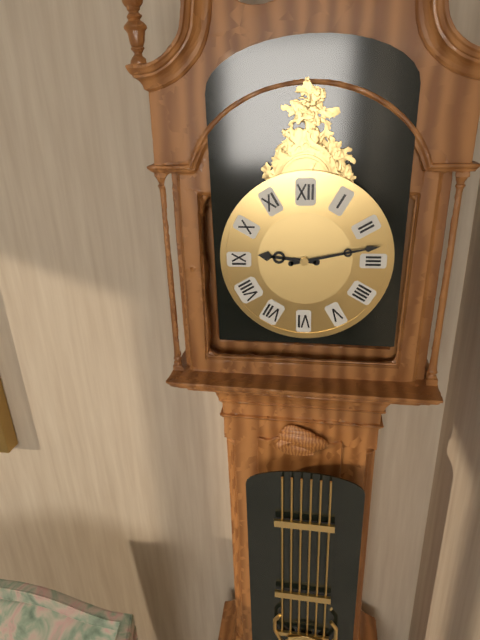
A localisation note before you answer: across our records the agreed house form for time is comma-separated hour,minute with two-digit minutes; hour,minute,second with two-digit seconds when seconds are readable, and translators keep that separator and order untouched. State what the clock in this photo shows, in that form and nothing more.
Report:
9,13
